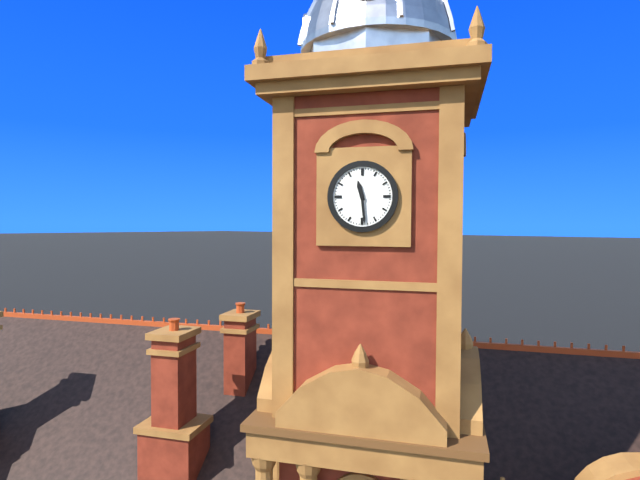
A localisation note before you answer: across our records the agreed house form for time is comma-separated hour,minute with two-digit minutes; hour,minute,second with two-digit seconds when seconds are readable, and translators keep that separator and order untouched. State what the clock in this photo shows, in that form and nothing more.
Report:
11,29
